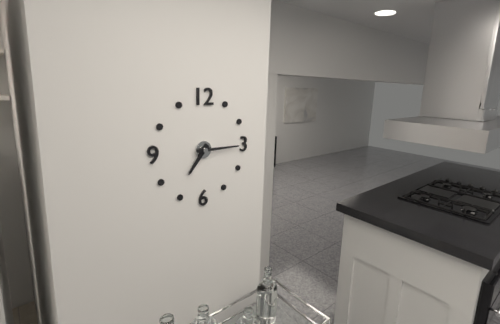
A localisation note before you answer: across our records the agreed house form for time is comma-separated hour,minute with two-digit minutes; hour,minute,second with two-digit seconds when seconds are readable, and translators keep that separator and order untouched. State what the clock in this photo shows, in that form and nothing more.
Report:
7,15
